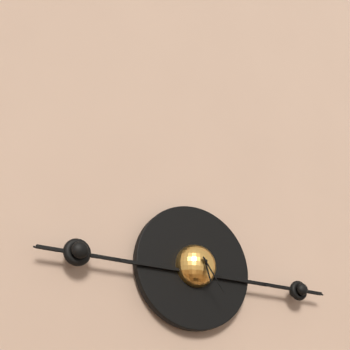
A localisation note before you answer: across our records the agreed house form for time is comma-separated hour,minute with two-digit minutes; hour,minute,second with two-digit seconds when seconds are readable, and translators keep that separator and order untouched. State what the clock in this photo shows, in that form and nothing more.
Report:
5,24
